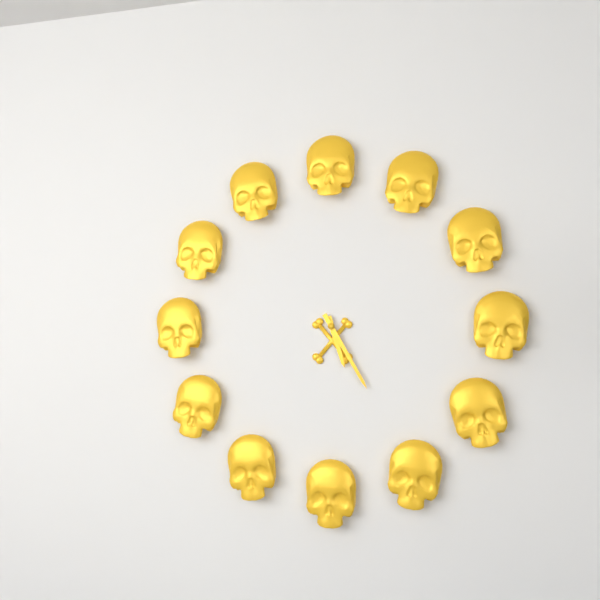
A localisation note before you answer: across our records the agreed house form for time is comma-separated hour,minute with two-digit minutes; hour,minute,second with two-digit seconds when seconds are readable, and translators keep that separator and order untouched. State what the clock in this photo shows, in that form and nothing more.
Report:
5,25
